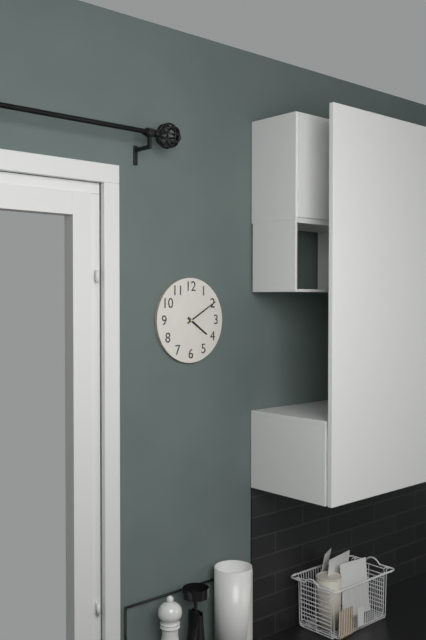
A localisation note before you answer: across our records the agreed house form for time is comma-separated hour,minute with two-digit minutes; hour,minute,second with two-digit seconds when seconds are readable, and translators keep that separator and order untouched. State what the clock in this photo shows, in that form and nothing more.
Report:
4,10
